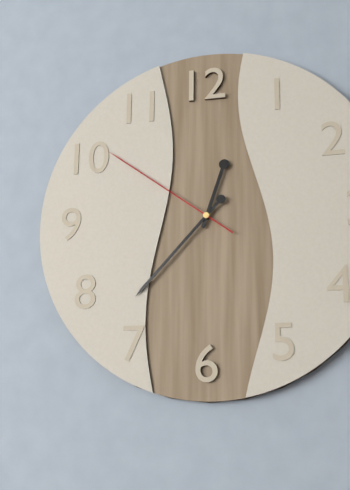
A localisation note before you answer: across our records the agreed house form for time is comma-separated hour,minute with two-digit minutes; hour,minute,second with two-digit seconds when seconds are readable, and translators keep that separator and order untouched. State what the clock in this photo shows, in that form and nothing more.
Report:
12,37,51
